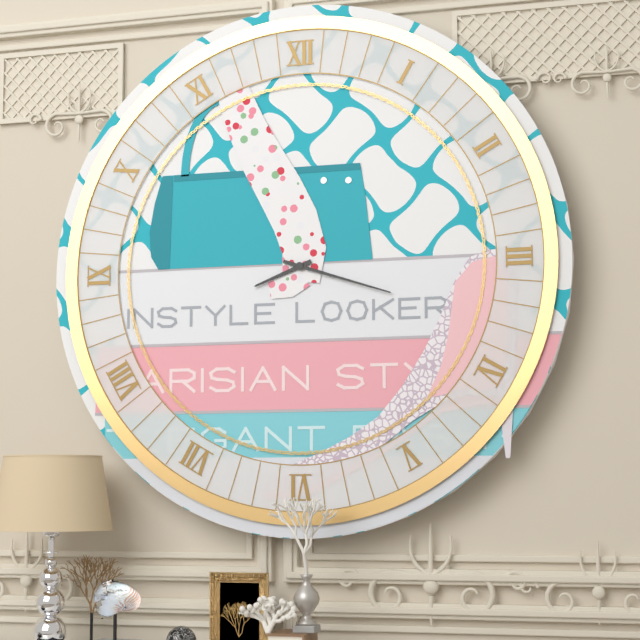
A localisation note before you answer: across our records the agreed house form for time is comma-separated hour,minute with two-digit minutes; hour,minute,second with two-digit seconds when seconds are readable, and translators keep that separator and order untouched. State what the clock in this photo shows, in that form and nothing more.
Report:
8,18
